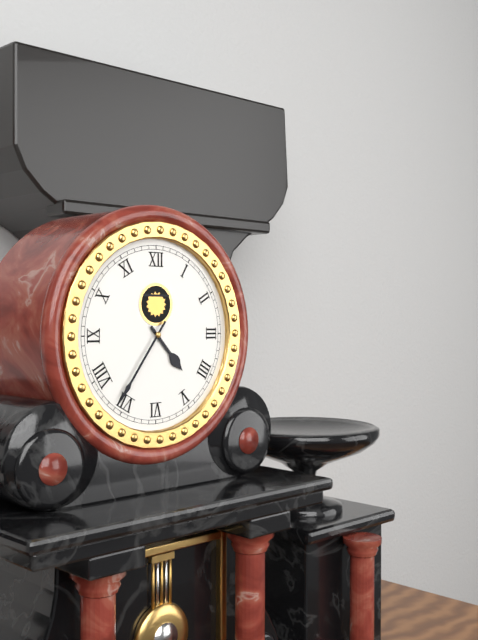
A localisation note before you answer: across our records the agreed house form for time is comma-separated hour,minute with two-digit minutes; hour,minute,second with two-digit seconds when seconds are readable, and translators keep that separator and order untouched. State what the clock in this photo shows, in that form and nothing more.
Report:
4,36
